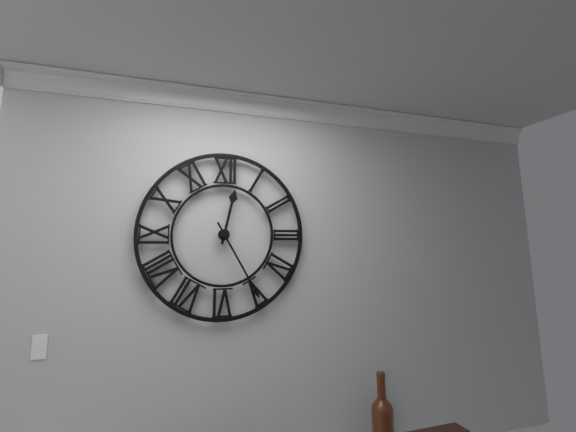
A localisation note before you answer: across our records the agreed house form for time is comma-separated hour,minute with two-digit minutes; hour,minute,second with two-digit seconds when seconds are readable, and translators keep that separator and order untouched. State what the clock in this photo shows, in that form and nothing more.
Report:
12,25
